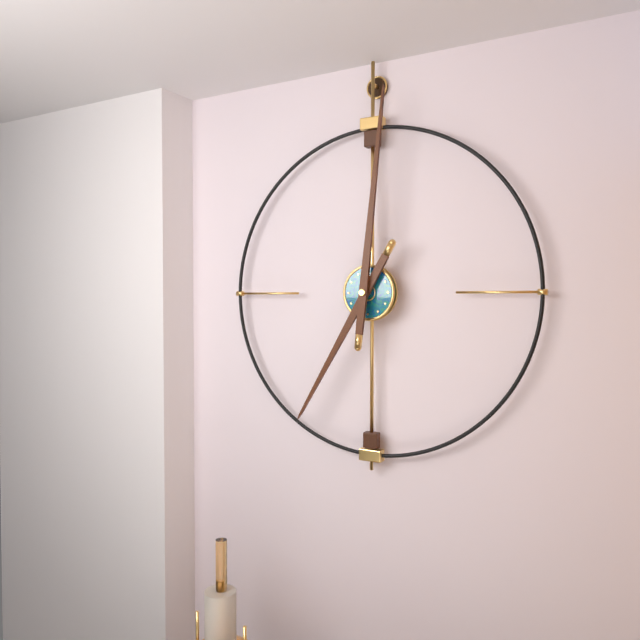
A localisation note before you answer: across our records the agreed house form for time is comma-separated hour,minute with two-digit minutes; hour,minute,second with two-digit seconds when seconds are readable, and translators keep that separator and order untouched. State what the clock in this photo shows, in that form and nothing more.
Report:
7,01
